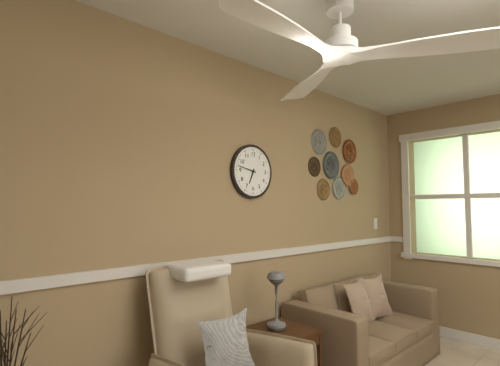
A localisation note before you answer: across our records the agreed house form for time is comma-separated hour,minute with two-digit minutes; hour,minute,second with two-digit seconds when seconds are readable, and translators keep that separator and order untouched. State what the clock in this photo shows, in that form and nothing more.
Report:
6,47
